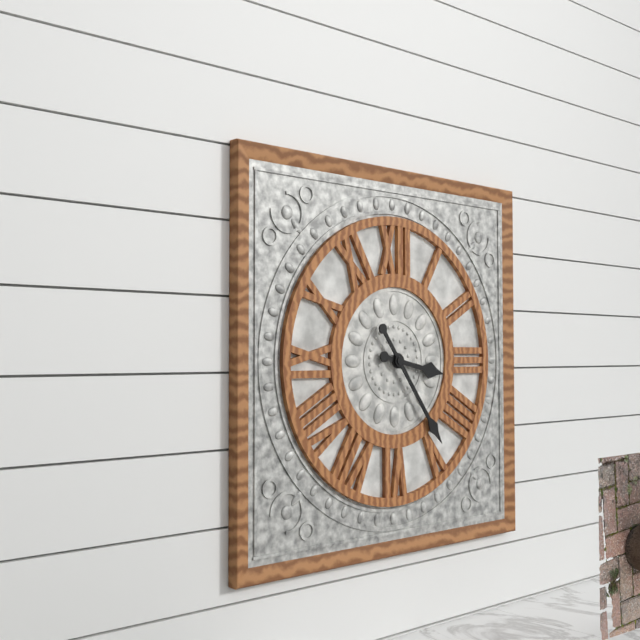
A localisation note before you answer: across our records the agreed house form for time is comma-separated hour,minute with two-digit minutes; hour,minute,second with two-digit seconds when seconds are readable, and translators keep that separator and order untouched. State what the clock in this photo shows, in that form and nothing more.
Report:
3,24
